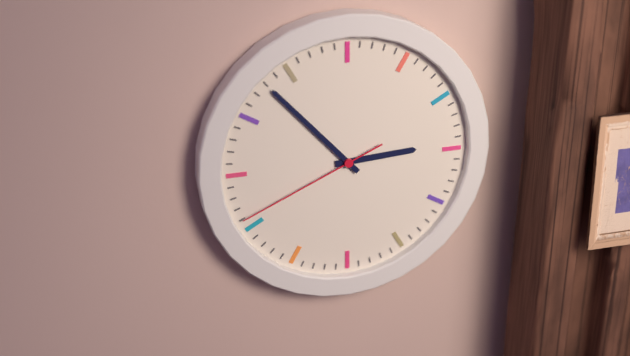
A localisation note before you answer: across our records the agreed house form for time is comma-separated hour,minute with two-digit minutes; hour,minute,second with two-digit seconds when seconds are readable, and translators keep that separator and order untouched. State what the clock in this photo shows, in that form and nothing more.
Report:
2,53,41
